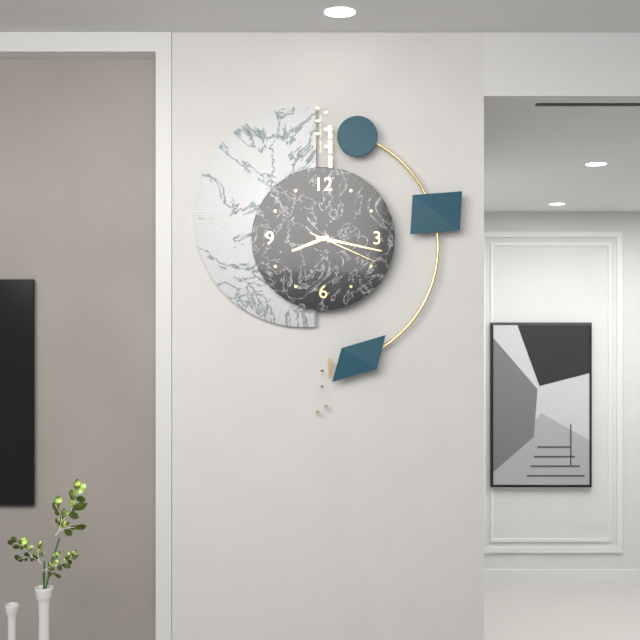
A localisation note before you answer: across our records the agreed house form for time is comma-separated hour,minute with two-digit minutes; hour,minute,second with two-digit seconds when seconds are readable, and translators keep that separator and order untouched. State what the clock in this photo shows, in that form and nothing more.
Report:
8,17,19
